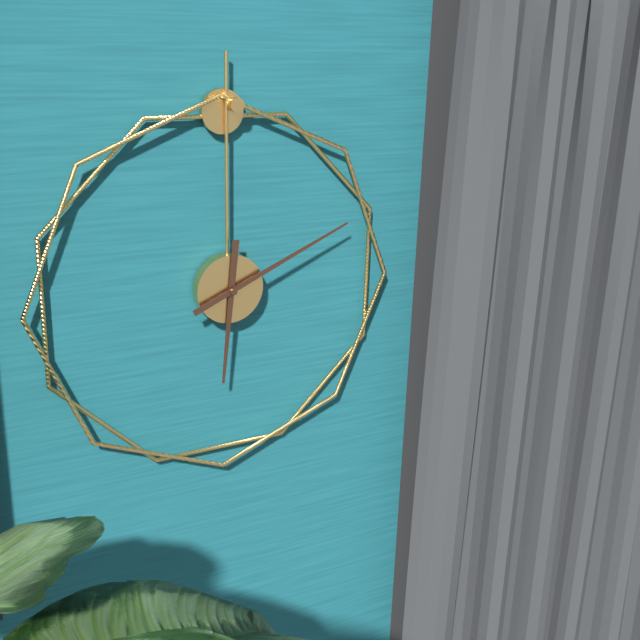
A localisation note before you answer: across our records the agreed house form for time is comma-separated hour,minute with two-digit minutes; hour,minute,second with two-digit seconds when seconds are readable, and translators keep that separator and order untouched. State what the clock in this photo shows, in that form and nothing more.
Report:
6,11
